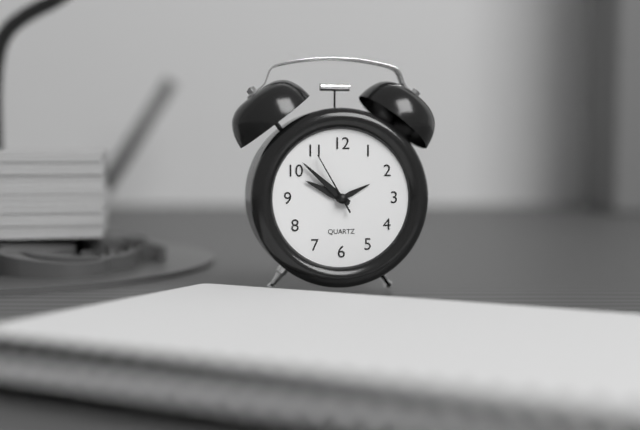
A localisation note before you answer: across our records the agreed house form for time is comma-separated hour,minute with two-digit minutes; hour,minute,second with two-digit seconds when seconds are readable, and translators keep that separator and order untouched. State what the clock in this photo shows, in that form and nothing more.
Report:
9,52,55
